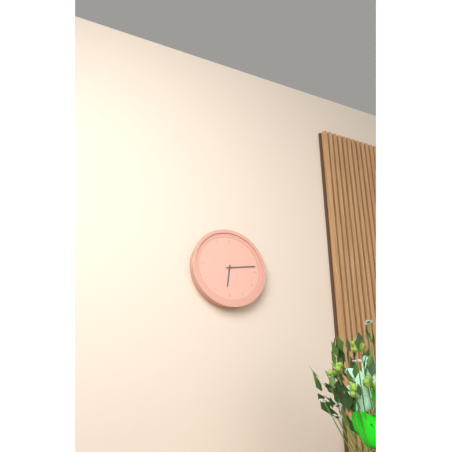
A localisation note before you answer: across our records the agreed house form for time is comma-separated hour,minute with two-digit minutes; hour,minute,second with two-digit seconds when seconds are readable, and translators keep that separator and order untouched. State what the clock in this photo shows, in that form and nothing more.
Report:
6,13
